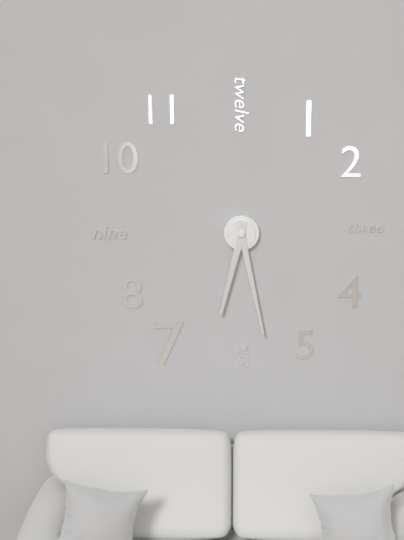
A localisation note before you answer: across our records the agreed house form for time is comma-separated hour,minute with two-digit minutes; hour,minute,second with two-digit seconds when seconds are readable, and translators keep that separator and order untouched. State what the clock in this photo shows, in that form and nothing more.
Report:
6,28
